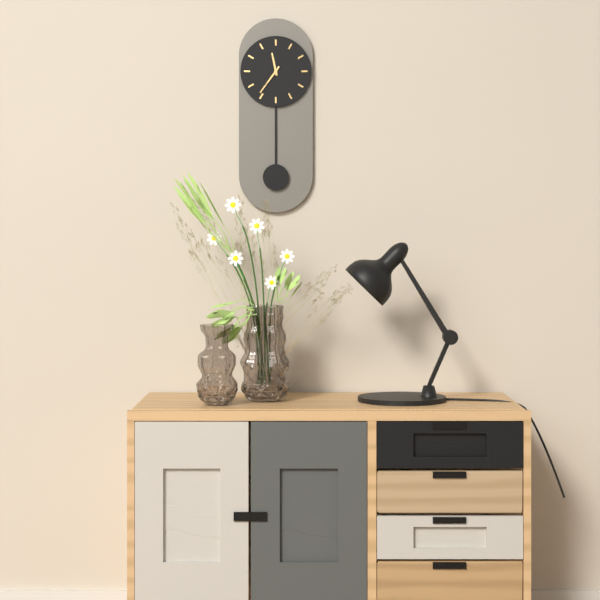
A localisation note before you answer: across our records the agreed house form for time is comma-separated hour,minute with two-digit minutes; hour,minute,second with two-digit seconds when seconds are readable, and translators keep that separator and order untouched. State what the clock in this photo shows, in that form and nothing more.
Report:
11,36
